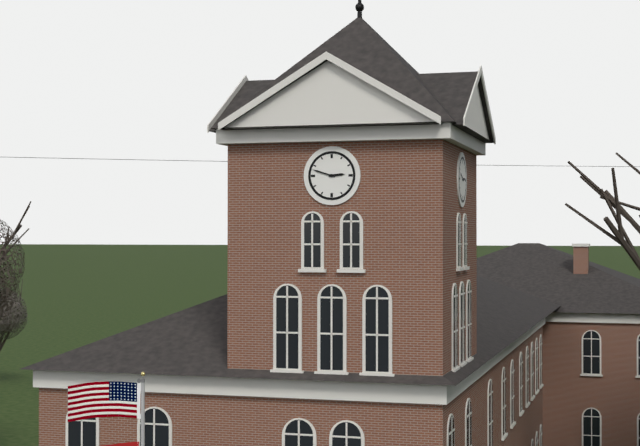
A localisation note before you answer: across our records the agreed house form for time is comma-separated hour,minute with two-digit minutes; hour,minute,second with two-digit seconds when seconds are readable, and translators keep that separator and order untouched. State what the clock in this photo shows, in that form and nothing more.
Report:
2,48
